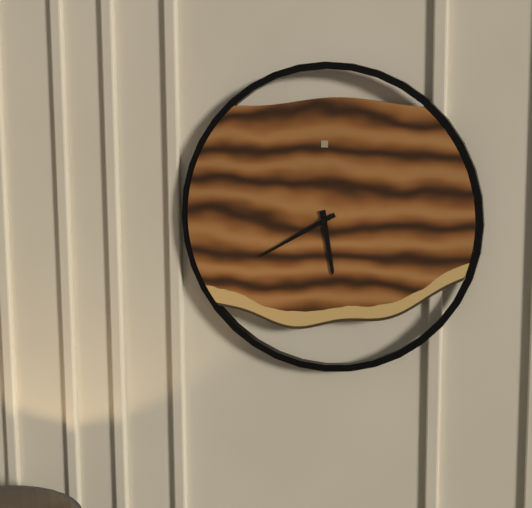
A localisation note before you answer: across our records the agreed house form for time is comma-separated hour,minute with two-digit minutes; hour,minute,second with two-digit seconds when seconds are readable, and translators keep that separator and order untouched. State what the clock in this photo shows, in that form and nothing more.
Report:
5,40
